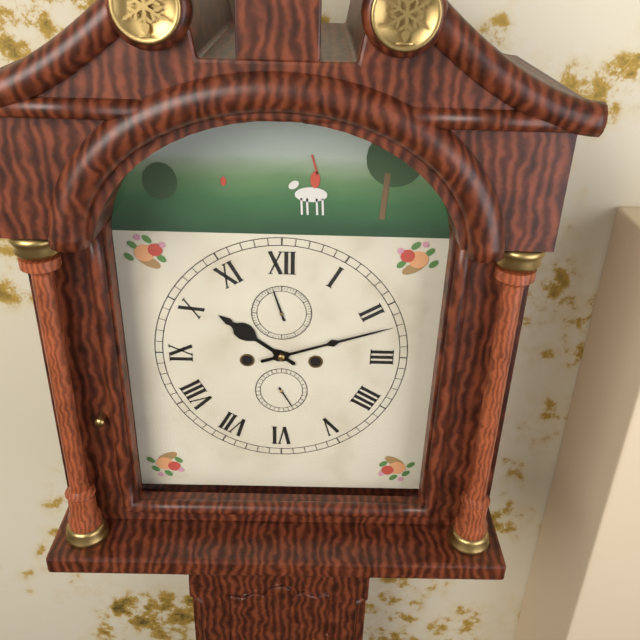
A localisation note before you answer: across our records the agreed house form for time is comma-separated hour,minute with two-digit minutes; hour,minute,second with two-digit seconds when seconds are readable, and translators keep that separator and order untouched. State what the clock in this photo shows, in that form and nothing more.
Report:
10,12
